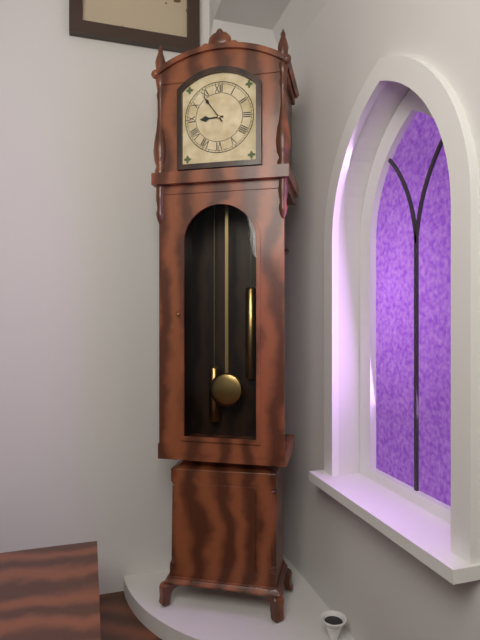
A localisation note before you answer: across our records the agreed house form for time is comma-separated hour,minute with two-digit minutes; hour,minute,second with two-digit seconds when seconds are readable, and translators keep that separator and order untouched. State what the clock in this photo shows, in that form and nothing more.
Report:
8,54
